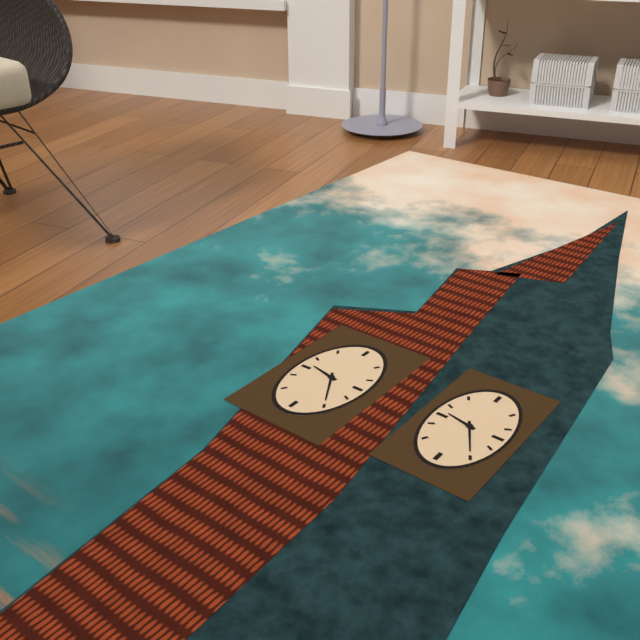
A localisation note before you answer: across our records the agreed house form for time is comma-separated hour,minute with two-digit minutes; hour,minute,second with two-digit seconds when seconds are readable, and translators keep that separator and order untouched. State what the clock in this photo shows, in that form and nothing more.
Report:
9,25
